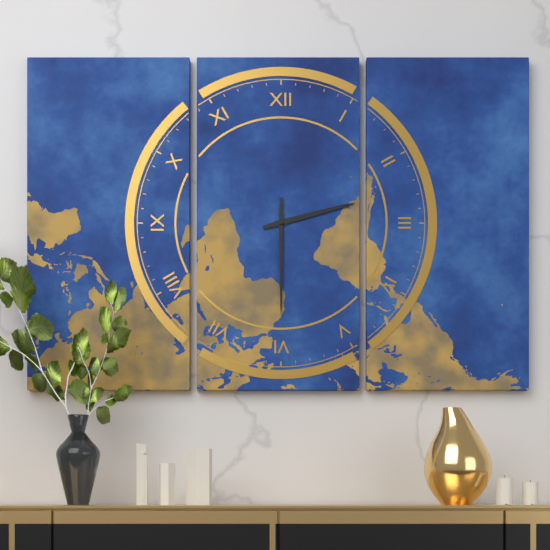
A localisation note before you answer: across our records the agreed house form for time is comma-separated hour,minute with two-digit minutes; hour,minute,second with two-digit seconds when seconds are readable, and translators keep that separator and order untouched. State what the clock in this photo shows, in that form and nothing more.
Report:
2,30
